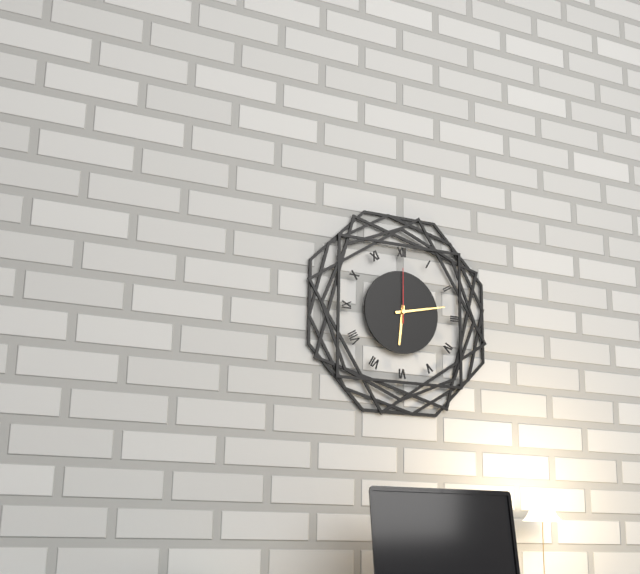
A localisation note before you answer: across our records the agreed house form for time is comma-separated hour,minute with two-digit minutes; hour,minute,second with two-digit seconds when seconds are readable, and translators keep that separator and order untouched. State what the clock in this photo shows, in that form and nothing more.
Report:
6,13,00
